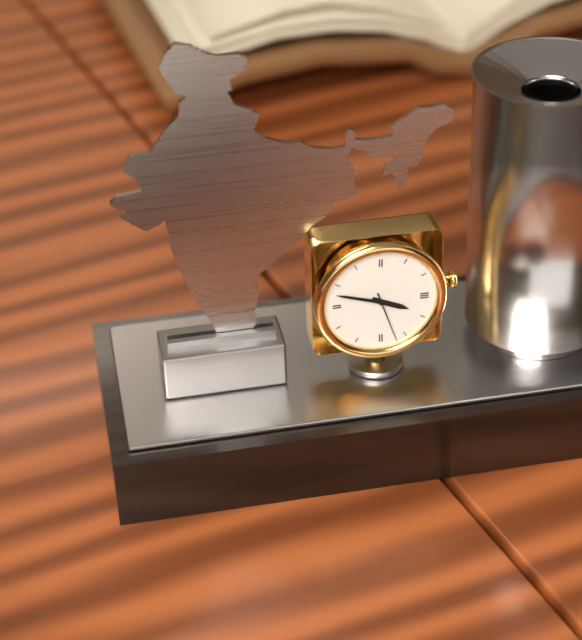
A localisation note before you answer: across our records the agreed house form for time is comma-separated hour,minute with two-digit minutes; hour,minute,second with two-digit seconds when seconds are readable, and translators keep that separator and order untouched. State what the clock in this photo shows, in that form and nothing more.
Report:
3,48,27
